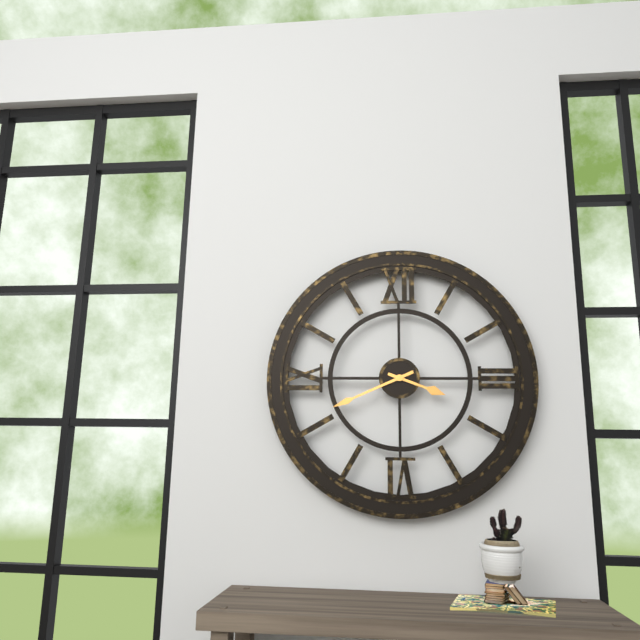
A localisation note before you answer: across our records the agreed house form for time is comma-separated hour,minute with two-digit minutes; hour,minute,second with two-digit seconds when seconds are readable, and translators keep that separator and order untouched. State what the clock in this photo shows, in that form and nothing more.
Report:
3,41
